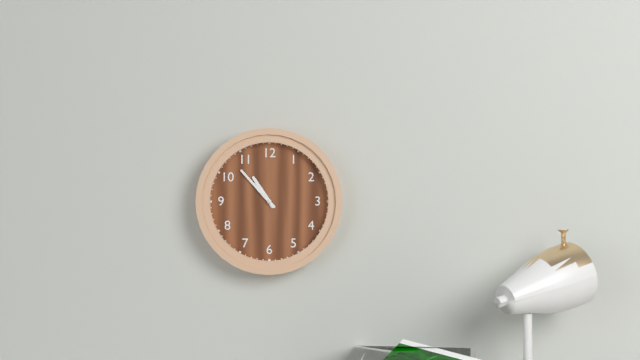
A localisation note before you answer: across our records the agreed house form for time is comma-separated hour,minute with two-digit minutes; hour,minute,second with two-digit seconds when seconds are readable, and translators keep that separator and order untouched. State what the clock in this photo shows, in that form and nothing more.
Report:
10,53
